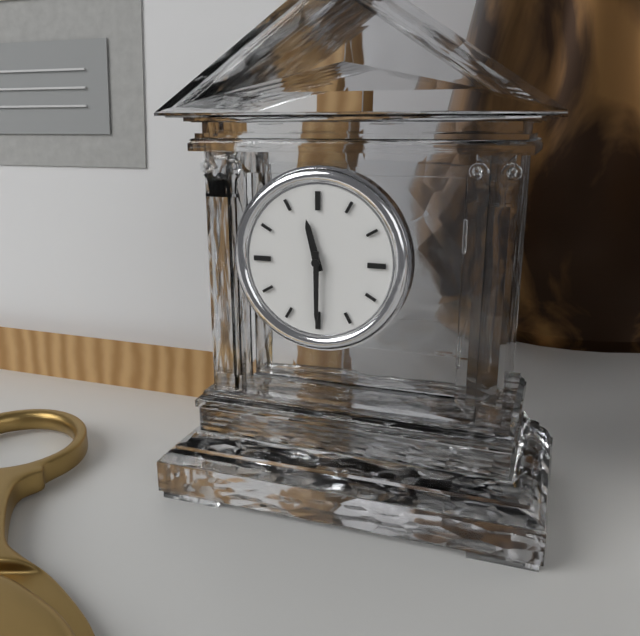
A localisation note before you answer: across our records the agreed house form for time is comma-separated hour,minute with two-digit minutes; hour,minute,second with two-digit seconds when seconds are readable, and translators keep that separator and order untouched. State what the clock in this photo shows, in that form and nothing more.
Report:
11,30
